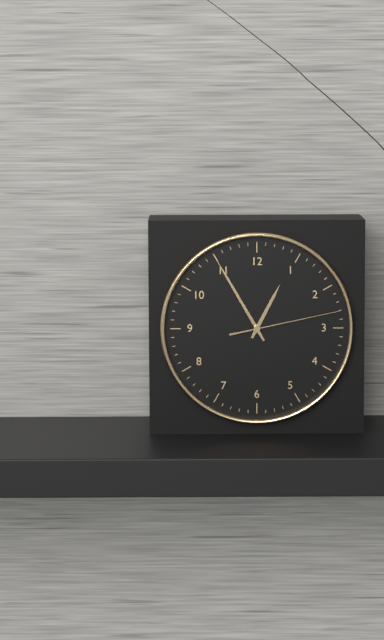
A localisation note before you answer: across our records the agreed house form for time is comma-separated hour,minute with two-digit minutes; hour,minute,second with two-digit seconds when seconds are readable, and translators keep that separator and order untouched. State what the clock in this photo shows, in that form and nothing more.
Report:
12,55,13
